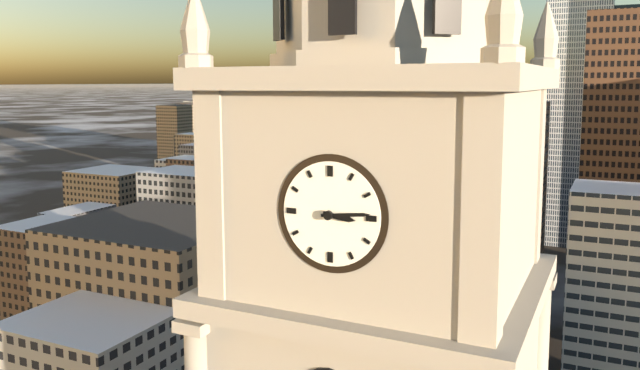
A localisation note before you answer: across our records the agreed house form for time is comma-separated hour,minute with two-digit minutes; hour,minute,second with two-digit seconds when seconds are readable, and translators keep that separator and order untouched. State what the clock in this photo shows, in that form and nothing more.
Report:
3,14
